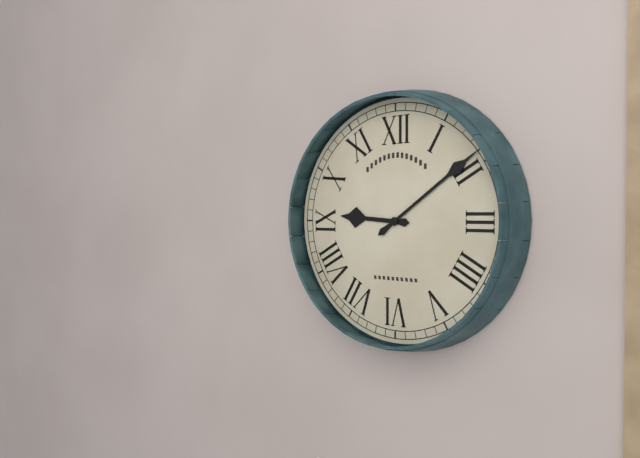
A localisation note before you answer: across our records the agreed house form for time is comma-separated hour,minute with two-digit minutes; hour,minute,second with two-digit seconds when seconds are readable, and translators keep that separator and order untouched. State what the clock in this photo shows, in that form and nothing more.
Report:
9,09
